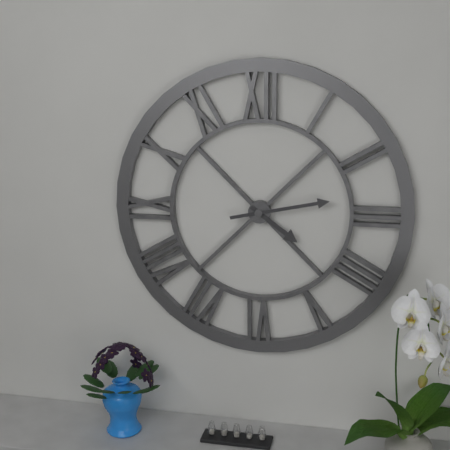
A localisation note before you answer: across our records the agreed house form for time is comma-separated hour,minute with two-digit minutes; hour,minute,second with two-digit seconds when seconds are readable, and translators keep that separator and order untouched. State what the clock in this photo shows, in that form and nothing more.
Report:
4,13
